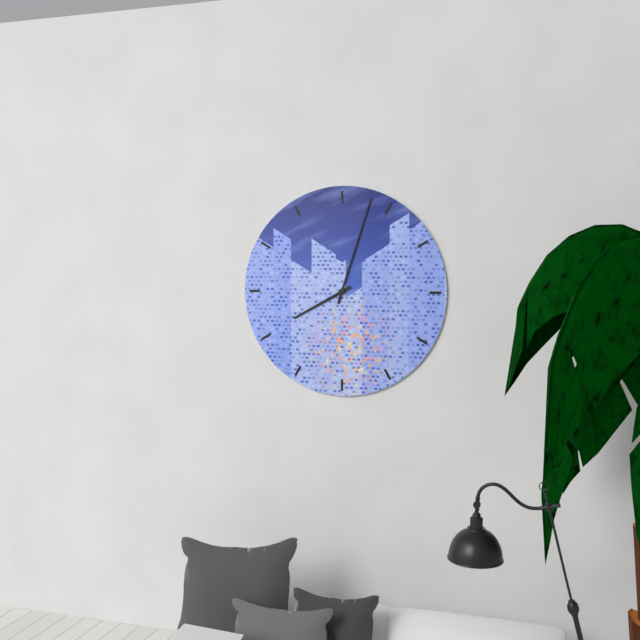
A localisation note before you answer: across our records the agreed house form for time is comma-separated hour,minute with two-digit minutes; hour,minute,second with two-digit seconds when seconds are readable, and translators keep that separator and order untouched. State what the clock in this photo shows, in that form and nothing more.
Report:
8,03
